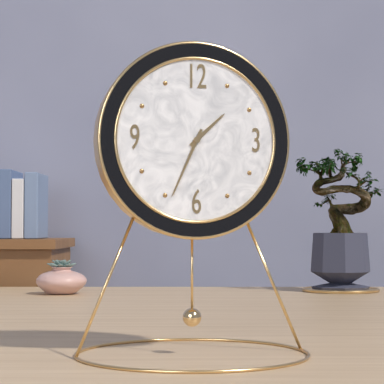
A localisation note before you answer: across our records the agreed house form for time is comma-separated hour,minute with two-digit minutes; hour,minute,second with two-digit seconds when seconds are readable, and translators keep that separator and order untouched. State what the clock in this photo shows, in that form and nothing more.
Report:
1,34
